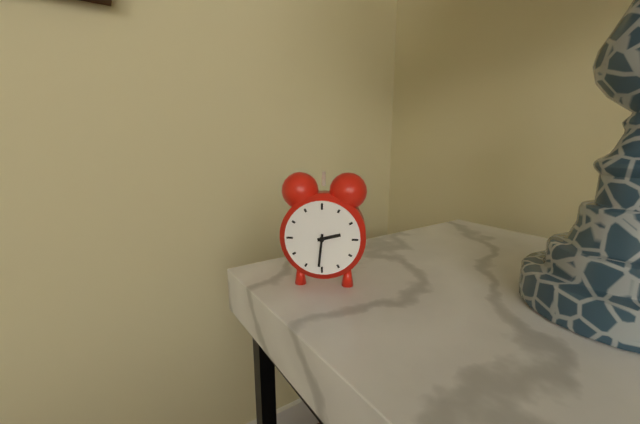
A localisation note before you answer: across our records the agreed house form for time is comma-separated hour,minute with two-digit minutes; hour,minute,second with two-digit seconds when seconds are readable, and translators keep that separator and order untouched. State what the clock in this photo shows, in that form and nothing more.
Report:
2,31
